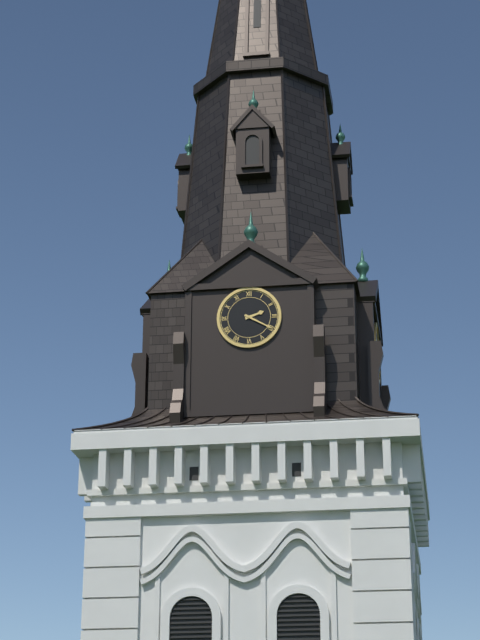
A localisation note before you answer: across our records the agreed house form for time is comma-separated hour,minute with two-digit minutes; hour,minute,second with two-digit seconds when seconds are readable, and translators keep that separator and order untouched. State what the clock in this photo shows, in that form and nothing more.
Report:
2,20
